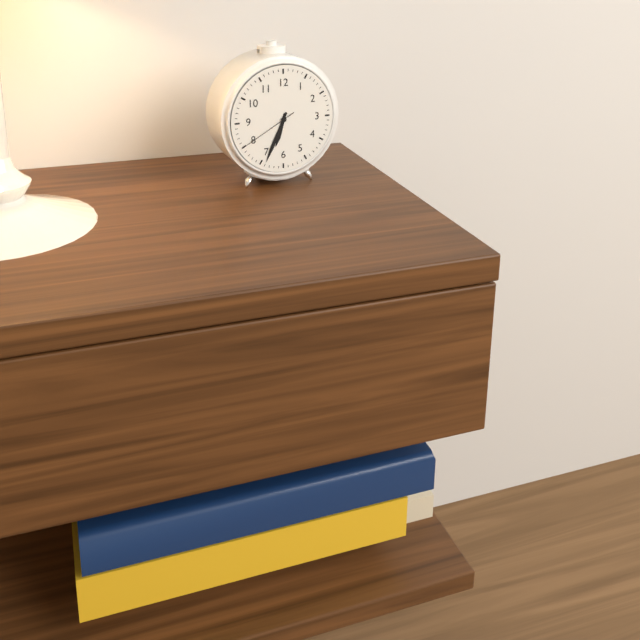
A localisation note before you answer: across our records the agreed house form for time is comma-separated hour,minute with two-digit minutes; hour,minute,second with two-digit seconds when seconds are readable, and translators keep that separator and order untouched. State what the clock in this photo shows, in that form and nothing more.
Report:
6,34,40
